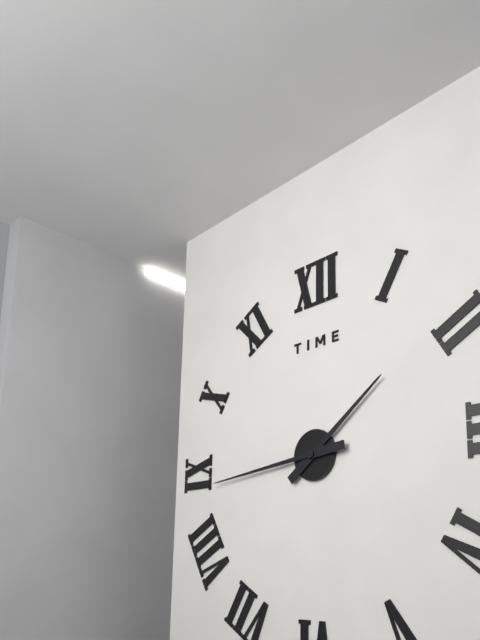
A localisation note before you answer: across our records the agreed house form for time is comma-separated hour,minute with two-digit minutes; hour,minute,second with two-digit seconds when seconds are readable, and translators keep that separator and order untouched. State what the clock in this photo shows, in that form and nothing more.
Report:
1,44
